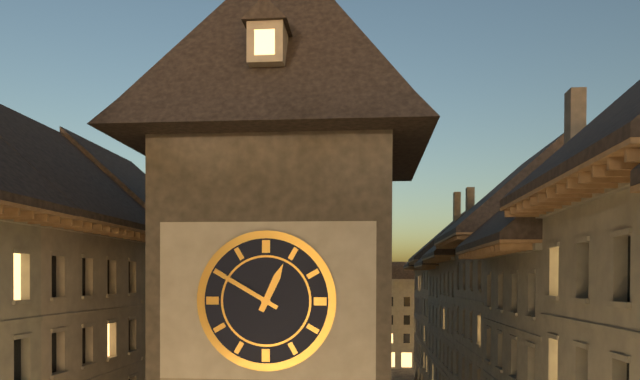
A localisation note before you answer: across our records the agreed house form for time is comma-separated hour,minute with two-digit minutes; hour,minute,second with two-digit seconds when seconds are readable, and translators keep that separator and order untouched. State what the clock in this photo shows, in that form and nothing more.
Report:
12,50
